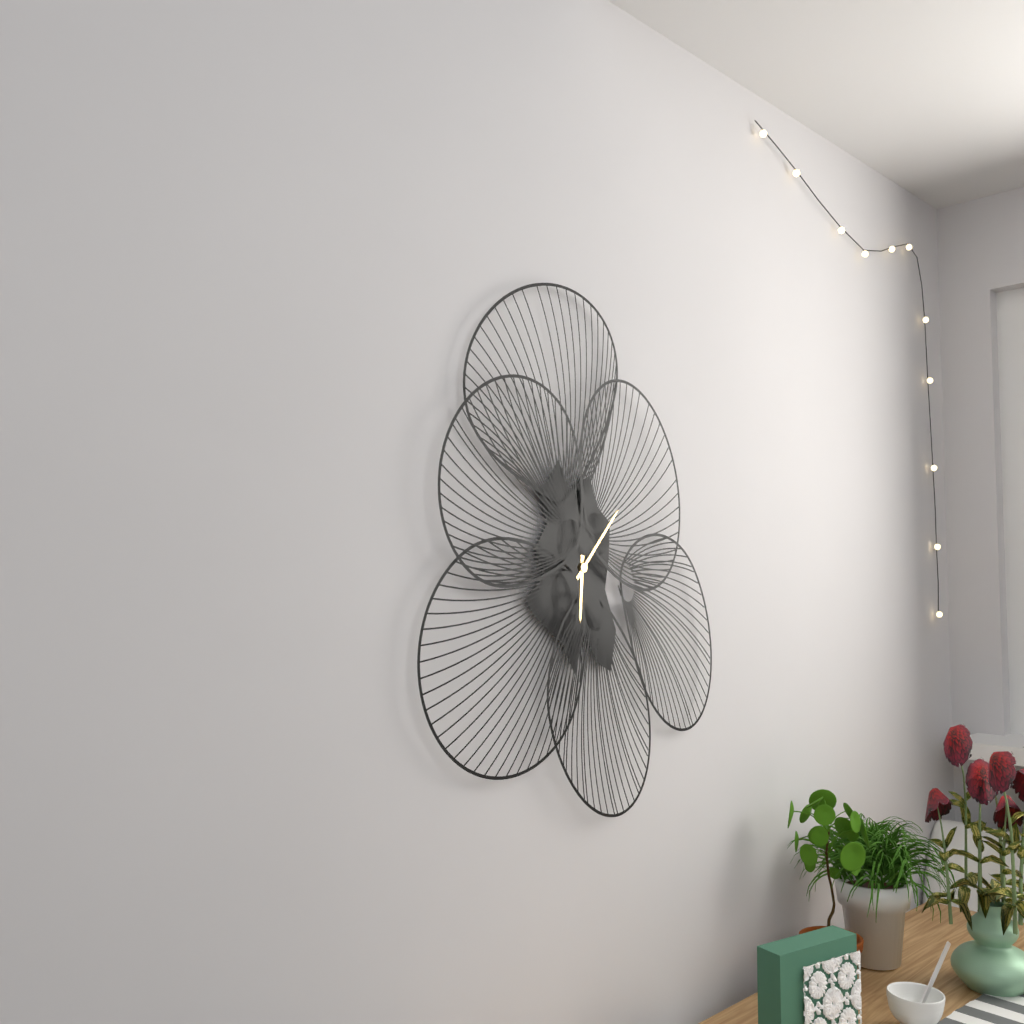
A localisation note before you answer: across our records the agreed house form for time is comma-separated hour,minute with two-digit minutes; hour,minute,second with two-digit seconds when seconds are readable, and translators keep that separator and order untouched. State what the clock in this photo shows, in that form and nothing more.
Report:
6,07
